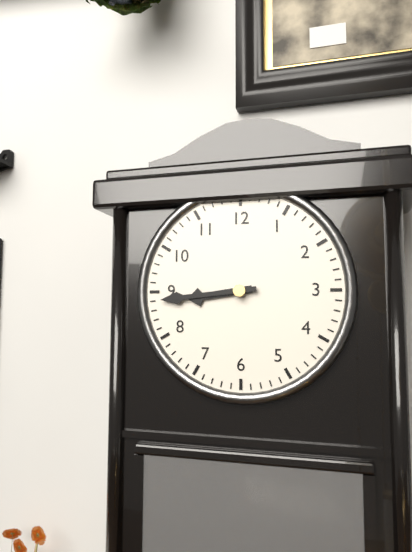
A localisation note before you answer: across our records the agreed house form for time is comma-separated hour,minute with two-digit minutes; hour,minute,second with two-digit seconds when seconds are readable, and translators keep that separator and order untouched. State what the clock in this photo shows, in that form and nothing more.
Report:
8,44
